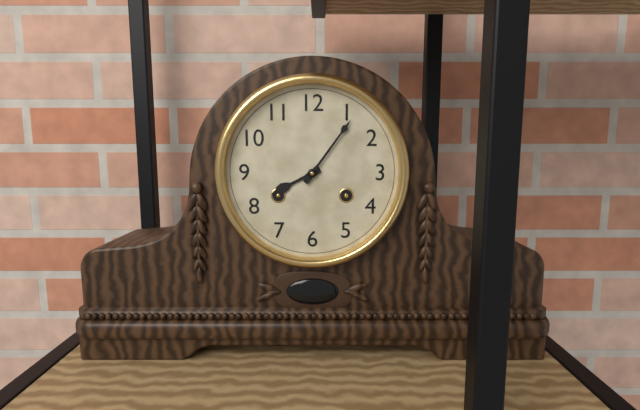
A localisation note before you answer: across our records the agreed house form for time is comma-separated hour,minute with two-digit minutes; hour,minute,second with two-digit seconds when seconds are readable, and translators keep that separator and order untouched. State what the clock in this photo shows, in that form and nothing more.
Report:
8,06
